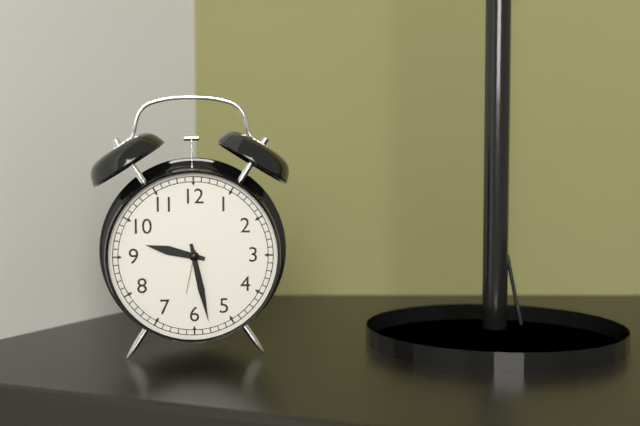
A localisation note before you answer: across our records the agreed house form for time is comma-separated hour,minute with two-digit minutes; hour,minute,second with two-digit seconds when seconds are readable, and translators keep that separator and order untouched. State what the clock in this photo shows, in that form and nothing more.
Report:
9,28
